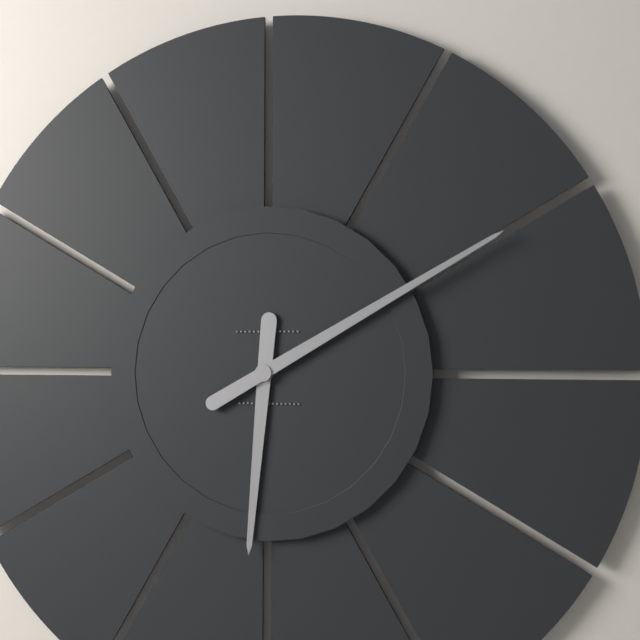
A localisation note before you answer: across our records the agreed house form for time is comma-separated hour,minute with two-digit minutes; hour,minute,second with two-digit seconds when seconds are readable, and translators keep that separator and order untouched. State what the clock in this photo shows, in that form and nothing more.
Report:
6,10
